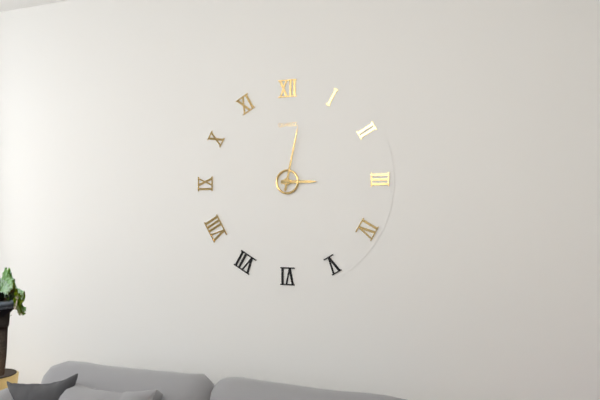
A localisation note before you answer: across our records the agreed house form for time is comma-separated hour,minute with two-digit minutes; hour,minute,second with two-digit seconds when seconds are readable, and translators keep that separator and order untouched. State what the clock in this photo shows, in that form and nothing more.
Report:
3,02
